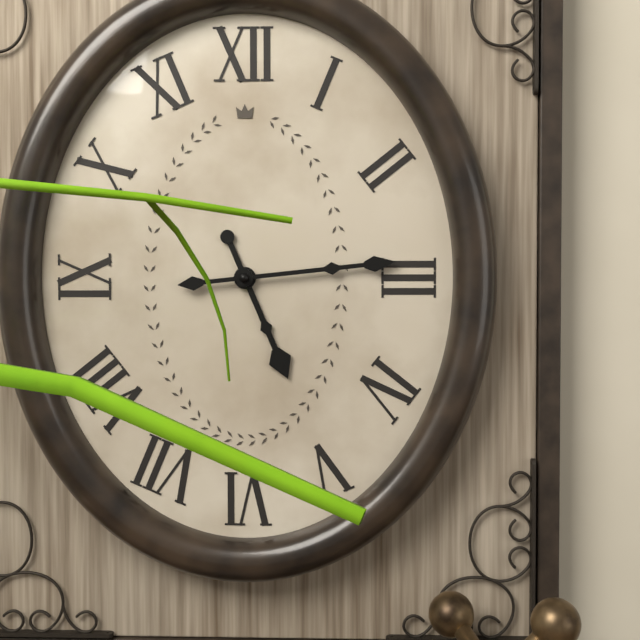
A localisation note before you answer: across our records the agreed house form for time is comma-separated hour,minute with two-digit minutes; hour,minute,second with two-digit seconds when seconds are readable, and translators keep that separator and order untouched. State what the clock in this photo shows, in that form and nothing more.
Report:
5,14
